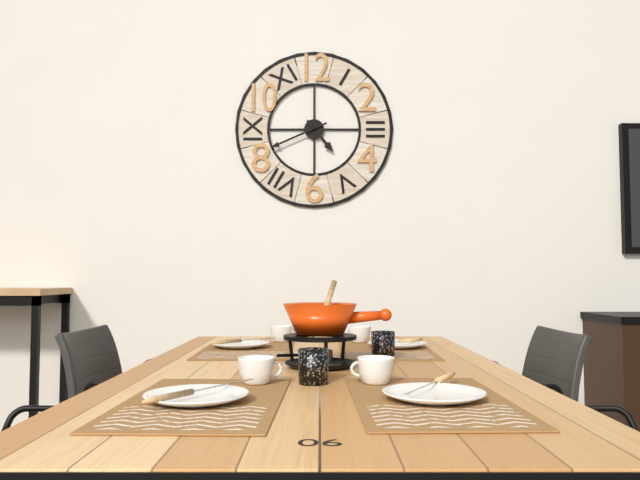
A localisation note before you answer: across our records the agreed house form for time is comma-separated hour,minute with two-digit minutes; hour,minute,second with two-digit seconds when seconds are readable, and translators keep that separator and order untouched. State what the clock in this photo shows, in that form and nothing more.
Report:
4,41
